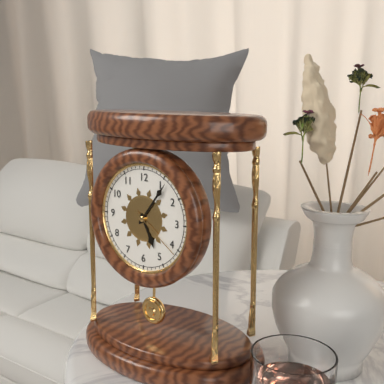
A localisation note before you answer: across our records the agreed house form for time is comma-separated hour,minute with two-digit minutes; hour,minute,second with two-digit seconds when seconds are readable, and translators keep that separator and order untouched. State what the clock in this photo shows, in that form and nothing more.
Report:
5,06,21
